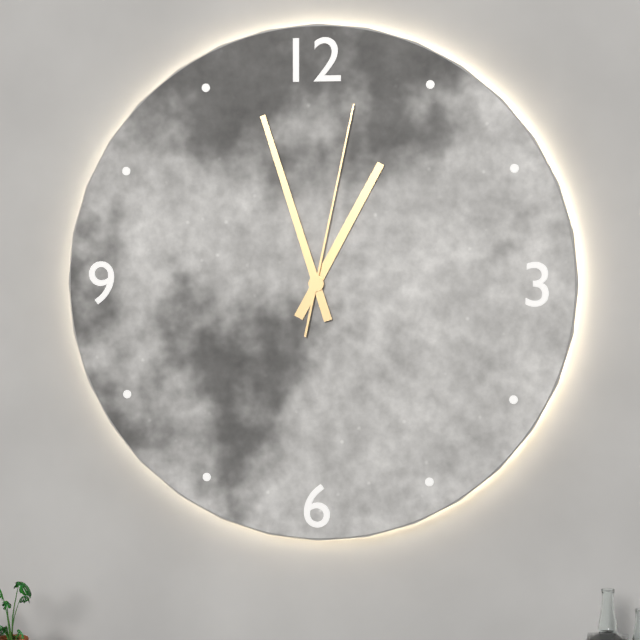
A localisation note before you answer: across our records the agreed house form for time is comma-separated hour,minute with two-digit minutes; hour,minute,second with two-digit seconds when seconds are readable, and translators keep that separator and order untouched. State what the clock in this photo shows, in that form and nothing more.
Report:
12,57,02
